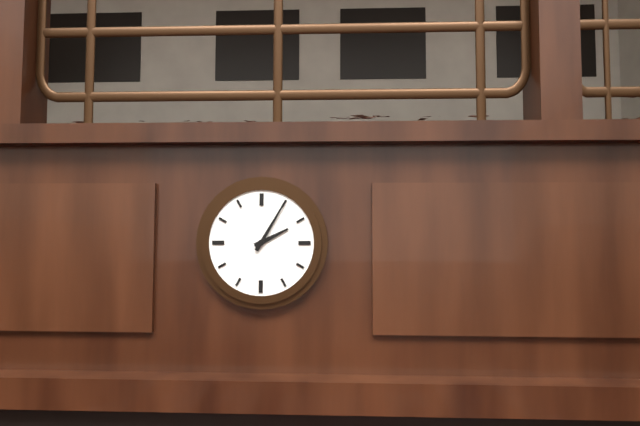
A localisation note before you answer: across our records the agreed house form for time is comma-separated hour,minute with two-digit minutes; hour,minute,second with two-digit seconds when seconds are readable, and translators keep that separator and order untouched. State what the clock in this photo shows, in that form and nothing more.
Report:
2,05
